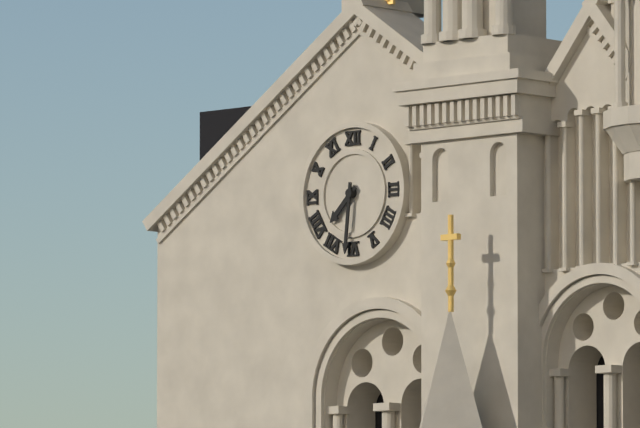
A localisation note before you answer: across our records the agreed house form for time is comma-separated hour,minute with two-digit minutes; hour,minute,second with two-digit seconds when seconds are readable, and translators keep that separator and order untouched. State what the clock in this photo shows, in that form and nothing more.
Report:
7,31
